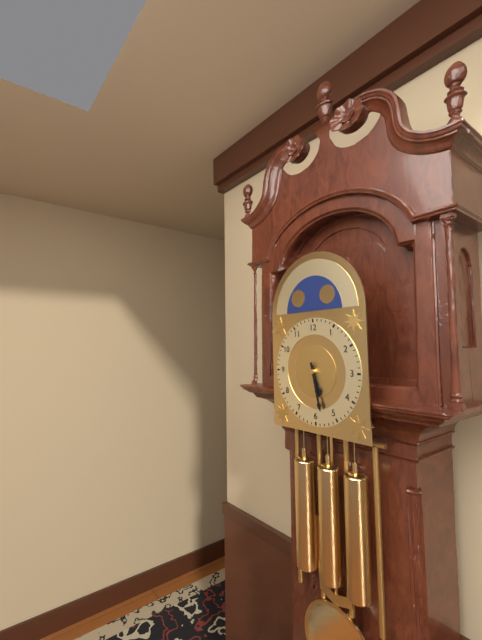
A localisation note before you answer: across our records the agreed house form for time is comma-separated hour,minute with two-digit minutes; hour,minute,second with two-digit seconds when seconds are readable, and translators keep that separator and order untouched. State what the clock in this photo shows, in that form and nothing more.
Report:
5,28
